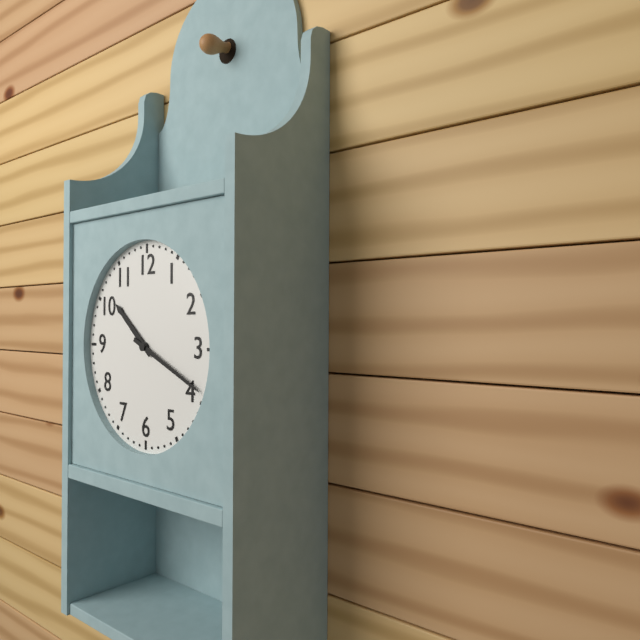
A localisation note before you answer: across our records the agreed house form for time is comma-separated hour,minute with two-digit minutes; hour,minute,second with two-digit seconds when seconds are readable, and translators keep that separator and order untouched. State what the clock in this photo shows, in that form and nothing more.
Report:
10,19
